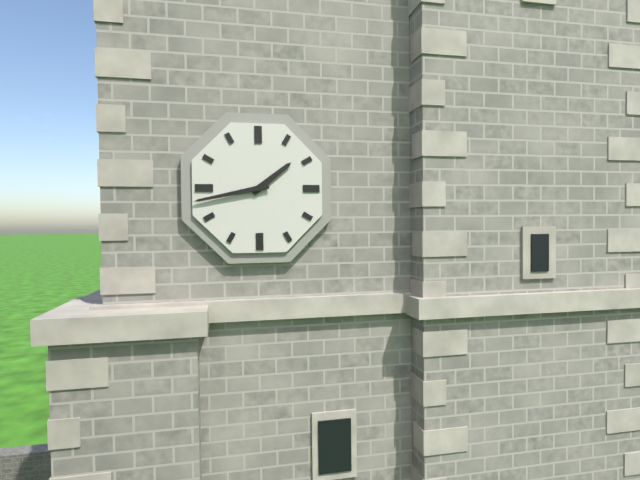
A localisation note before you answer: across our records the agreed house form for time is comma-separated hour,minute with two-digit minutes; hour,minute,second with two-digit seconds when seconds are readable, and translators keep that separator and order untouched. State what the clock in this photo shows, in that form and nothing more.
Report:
1,43
